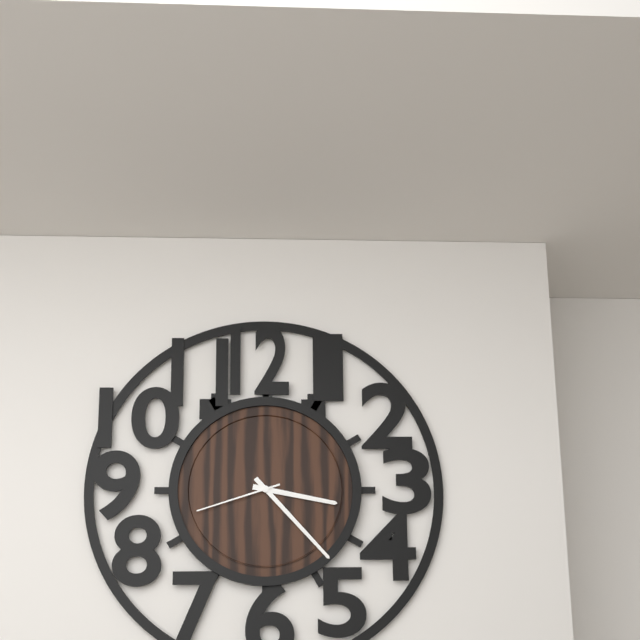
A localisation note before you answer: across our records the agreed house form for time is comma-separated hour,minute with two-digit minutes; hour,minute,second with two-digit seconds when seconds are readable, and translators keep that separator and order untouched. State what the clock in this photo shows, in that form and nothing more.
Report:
3,23,42
